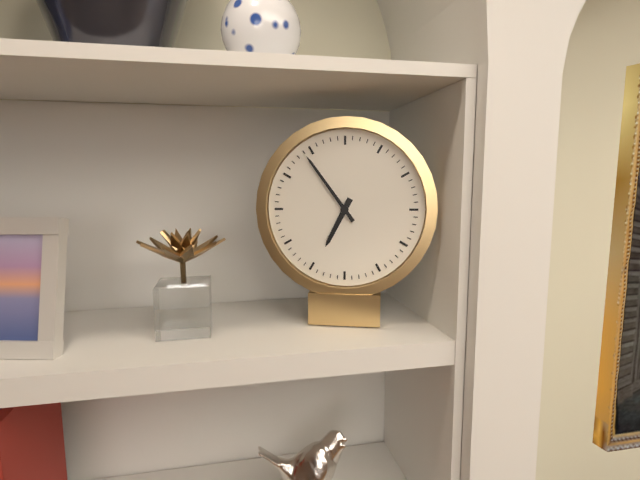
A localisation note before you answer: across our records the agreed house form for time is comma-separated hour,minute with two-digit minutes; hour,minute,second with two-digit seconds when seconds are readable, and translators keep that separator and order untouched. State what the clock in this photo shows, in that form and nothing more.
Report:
6,54
